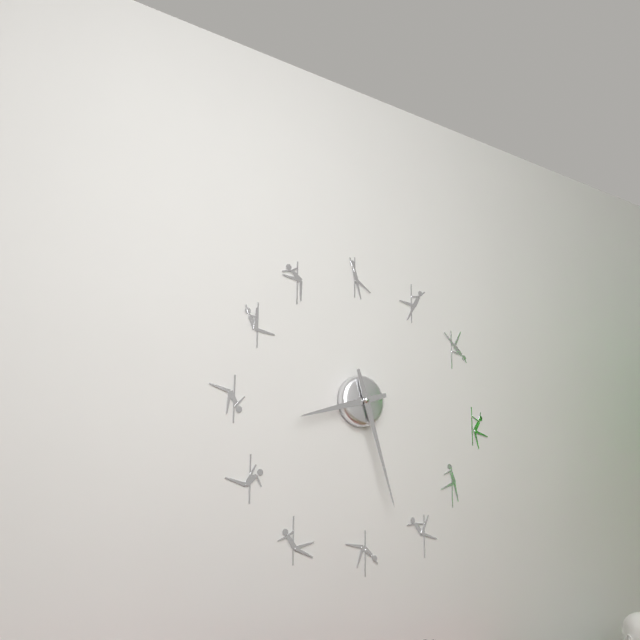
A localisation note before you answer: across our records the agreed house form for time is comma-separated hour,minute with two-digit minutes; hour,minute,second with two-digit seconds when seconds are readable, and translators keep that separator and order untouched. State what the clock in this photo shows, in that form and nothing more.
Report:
8,27
